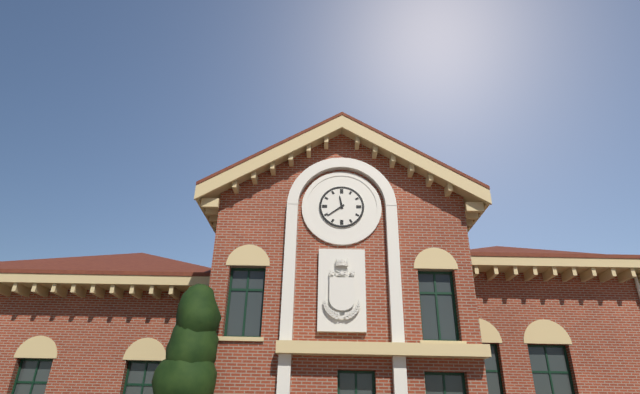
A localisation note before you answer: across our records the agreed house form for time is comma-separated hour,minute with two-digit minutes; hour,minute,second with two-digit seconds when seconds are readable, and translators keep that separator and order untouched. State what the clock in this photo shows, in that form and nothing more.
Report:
11,39
